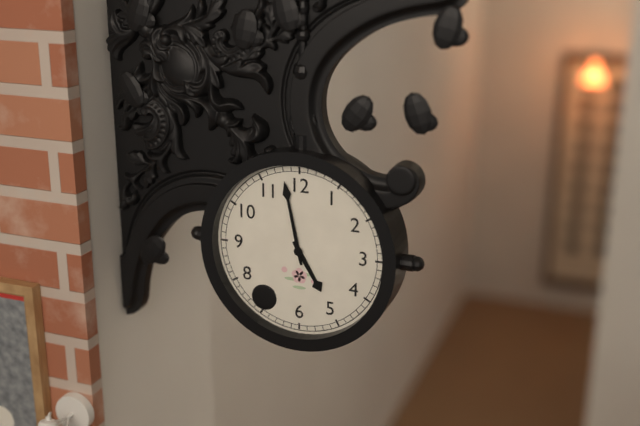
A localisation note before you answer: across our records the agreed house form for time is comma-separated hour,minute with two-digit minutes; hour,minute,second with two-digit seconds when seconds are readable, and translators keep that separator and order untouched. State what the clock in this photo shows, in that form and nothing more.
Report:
4,58
